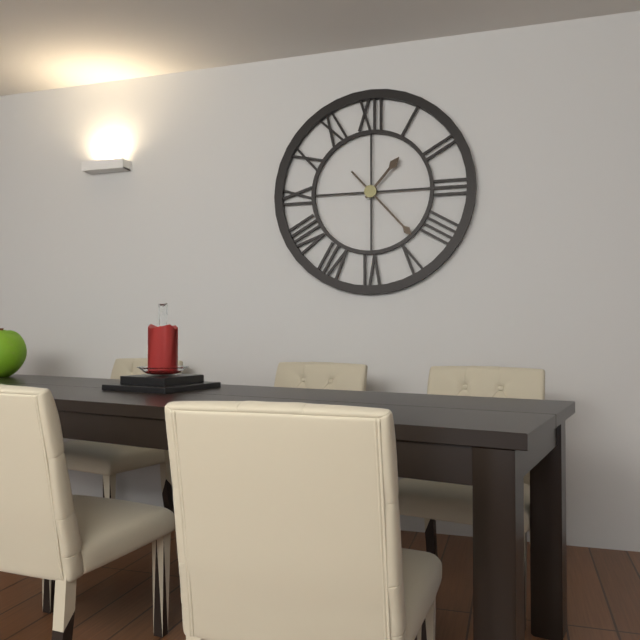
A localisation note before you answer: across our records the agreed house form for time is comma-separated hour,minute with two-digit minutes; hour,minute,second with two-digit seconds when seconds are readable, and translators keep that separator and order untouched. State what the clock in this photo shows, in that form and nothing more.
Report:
1,23
